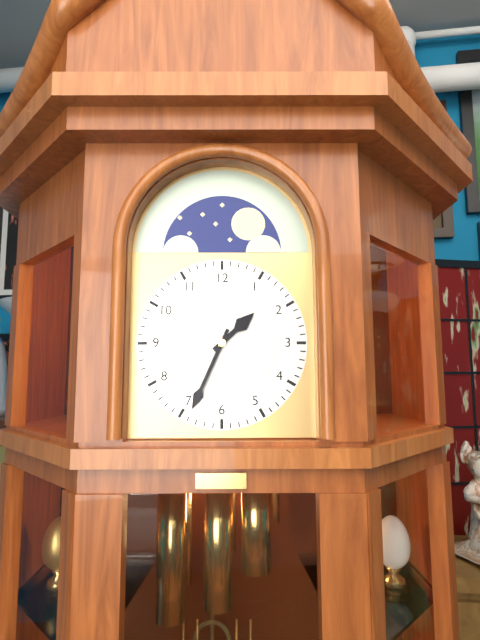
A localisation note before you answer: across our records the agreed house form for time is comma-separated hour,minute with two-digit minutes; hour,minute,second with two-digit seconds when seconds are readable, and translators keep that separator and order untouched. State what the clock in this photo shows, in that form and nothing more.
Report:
1,34
